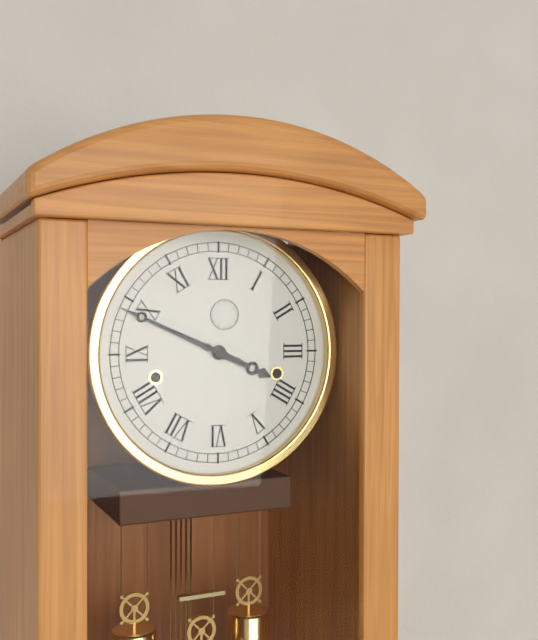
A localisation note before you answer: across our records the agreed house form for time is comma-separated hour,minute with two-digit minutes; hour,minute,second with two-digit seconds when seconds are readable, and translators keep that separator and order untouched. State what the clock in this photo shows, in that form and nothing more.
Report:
3,49
